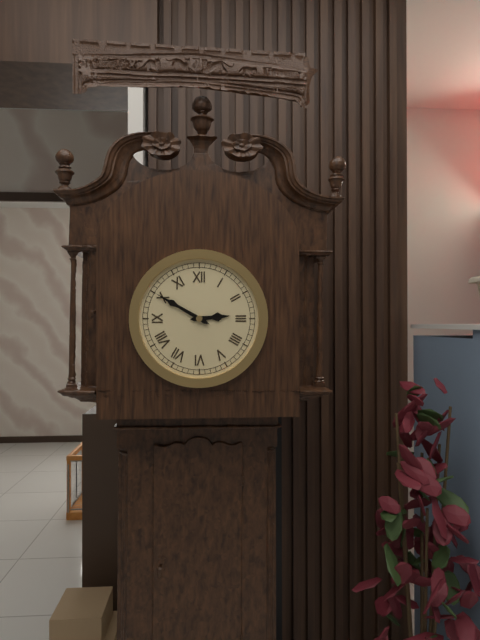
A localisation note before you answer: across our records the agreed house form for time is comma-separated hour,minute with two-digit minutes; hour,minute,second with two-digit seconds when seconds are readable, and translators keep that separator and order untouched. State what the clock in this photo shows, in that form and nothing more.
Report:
2,50
